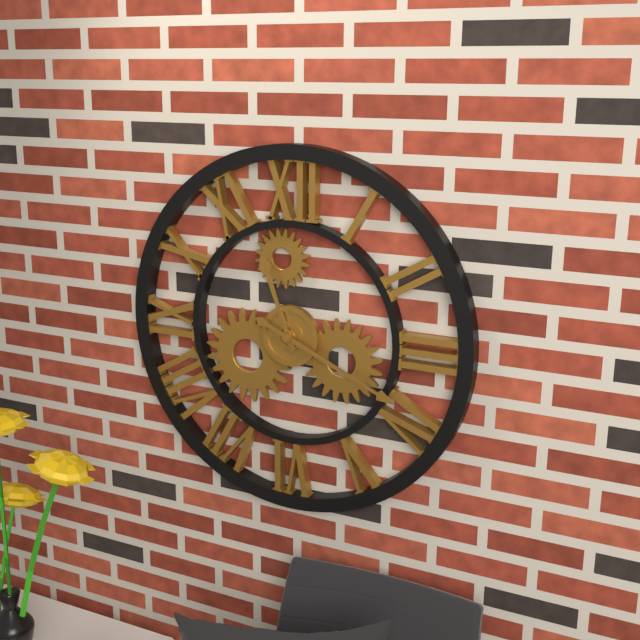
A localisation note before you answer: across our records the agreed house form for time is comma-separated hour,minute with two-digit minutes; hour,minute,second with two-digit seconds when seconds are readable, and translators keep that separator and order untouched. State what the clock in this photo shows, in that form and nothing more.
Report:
11,19
